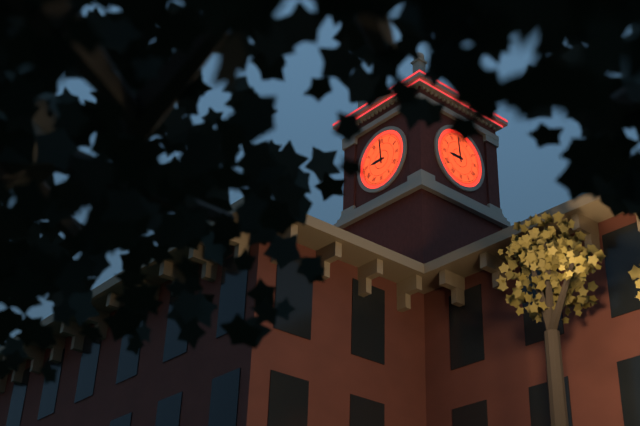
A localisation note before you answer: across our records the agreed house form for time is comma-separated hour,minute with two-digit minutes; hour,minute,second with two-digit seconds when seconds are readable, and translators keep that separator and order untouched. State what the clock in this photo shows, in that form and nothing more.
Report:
8,59
